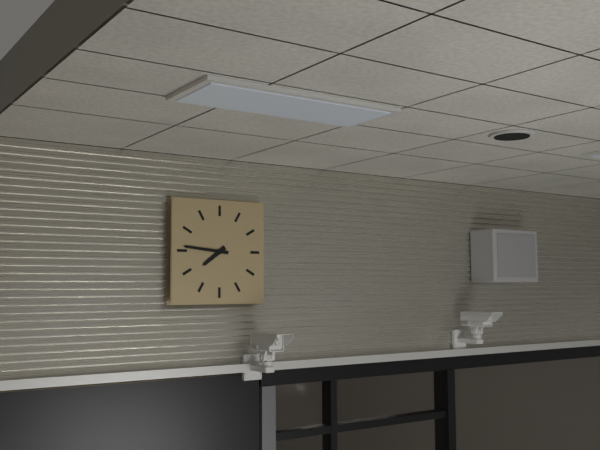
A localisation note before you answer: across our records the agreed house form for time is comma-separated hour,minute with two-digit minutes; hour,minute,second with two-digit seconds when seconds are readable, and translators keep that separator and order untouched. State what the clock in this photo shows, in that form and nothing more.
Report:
7,46
